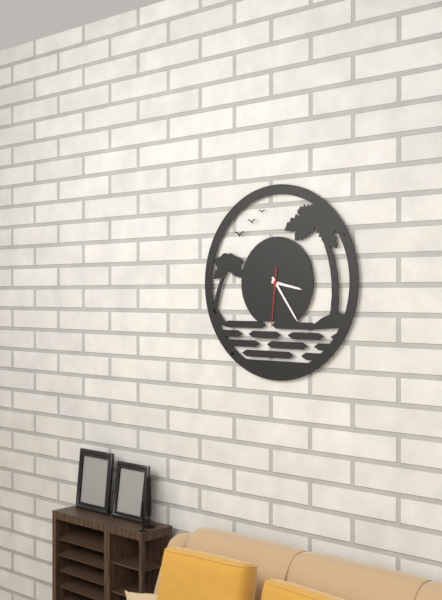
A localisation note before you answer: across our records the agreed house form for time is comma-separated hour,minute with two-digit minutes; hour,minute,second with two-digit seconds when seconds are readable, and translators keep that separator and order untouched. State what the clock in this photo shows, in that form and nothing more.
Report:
3,24,31
